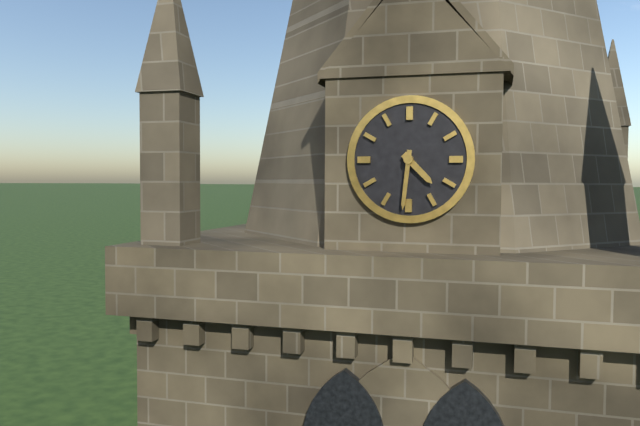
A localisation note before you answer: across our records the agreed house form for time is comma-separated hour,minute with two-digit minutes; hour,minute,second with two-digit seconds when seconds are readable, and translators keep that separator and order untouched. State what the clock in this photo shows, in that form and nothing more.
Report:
4,31
